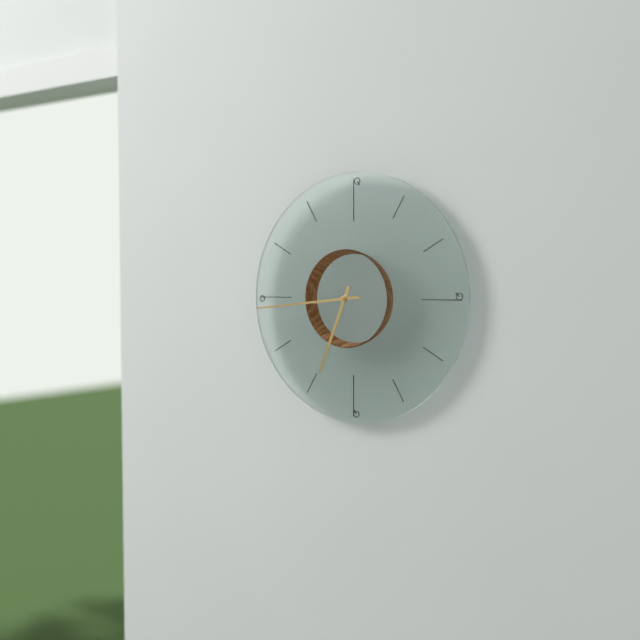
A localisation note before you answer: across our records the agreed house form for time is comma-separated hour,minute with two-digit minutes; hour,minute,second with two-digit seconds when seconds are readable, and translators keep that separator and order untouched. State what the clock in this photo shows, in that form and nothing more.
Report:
6,44
